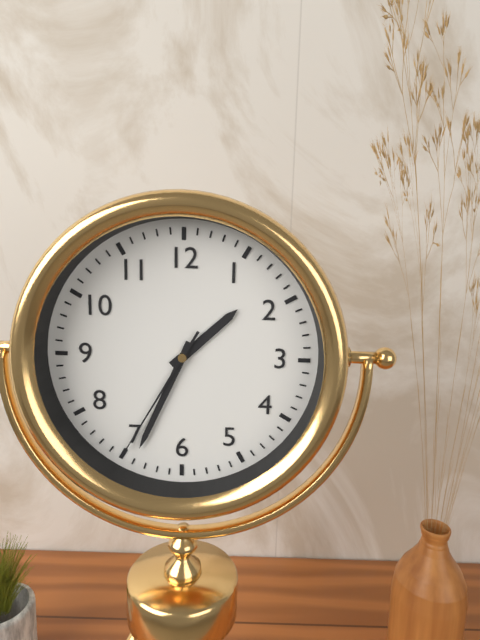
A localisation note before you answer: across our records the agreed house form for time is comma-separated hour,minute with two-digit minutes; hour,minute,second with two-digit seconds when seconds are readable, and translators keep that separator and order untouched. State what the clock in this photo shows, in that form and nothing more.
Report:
1,34,35
